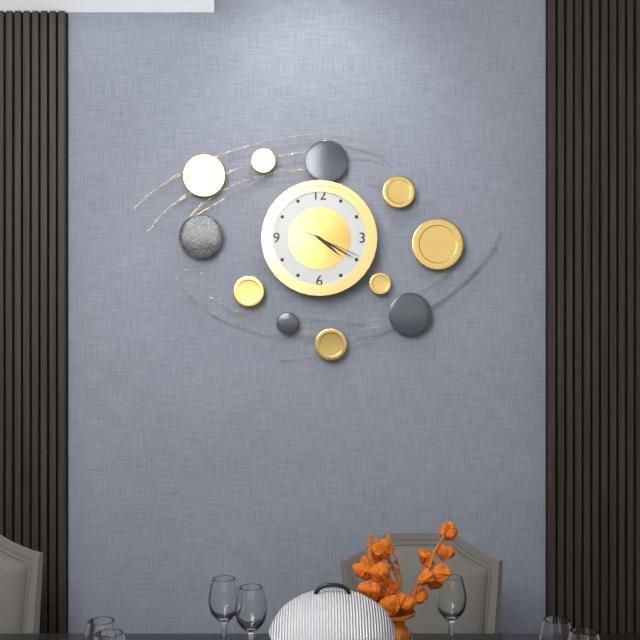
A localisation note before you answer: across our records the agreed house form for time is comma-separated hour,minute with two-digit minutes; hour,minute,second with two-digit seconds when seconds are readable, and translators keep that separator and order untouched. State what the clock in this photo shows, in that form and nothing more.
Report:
4,20,19
